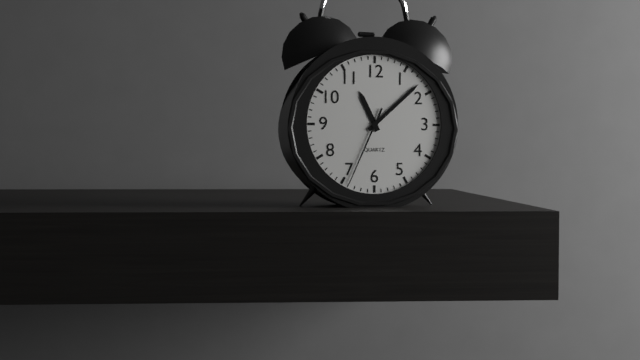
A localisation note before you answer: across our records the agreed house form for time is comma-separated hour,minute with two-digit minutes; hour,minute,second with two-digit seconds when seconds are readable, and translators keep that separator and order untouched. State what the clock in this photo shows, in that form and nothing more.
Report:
11,08,34
